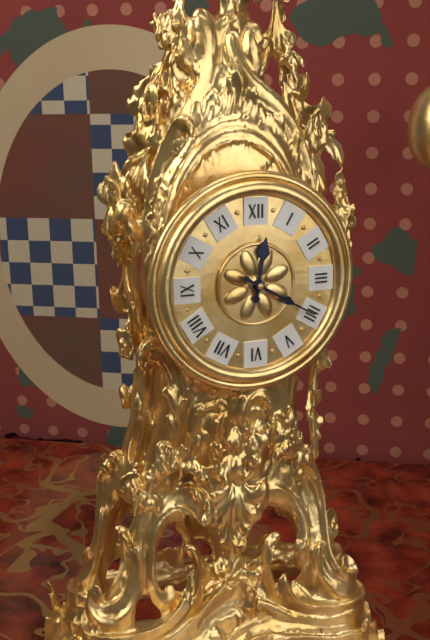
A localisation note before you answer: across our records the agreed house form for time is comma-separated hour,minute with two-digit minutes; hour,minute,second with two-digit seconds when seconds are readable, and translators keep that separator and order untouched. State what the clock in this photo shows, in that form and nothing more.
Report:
12,20
